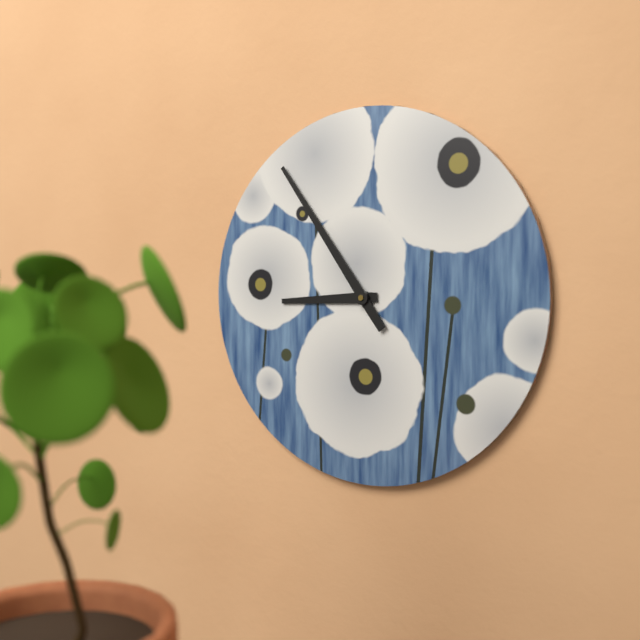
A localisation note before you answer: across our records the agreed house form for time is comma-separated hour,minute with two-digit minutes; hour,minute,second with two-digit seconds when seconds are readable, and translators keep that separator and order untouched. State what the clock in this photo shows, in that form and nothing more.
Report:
8,54
